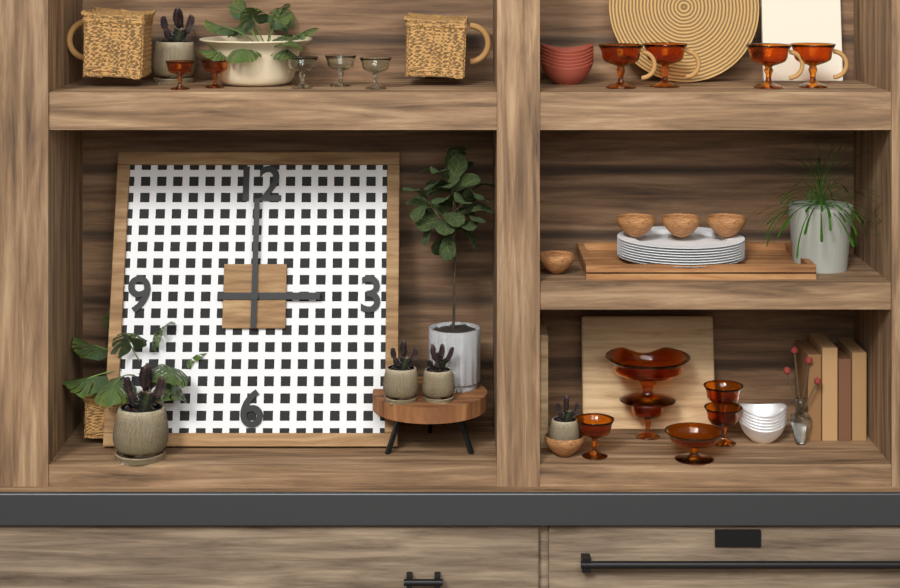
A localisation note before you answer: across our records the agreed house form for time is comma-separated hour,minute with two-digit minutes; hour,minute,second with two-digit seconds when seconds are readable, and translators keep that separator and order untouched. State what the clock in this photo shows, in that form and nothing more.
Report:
3,00
